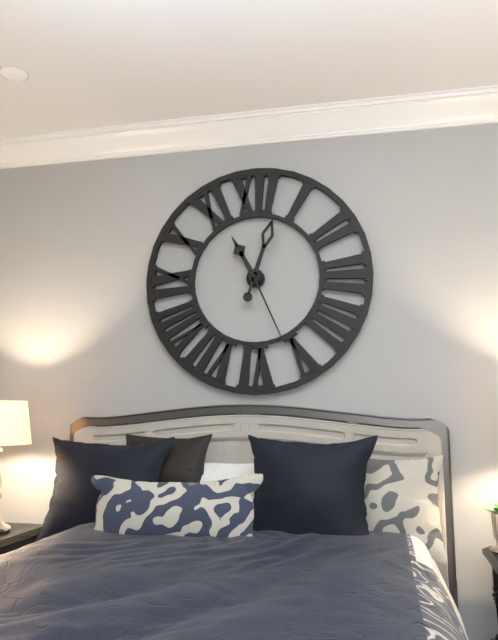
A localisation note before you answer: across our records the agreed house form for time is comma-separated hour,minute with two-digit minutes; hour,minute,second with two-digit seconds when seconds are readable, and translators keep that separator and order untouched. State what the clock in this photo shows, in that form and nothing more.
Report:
11,03,26
